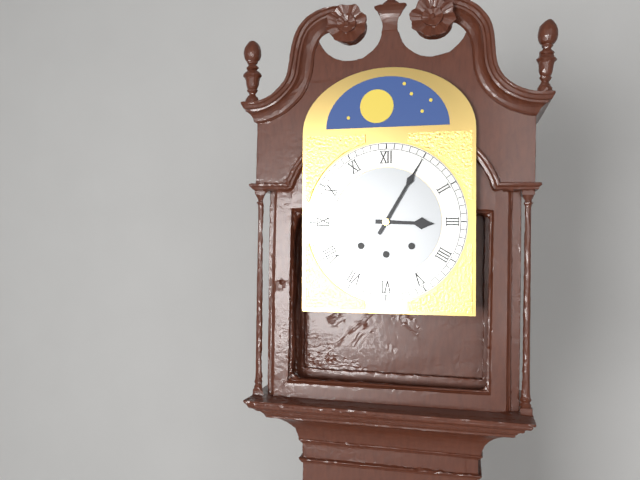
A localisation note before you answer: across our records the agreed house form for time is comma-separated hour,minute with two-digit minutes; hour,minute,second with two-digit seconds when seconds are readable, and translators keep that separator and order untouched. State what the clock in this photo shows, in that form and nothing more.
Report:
3,05
